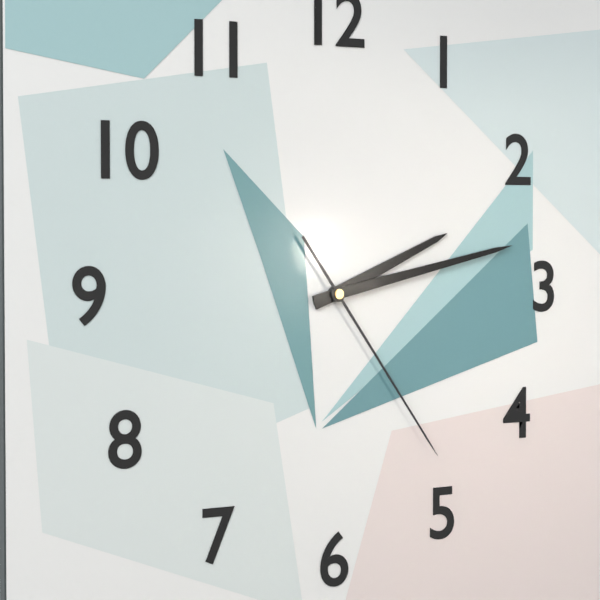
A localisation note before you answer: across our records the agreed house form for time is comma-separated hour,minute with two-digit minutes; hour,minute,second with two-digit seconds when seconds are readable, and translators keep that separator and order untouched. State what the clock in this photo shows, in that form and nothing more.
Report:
2,13,24
